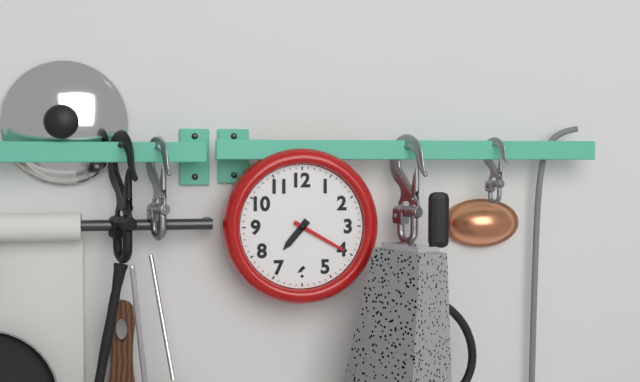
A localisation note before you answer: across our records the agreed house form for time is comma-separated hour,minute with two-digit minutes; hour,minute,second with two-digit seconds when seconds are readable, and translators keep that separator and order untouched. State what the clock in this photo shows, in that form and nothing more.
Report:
7,20
